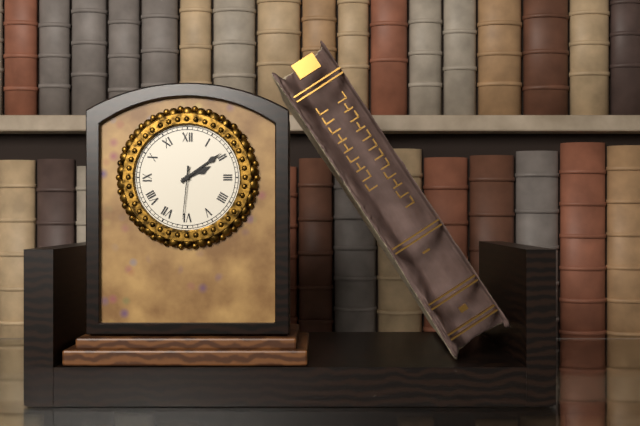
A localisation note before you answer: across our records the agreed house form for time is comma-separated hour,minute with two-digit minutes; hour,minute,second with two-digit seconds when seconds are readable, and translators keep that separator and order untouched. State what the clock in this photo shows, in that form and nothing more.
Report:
2,09,31
